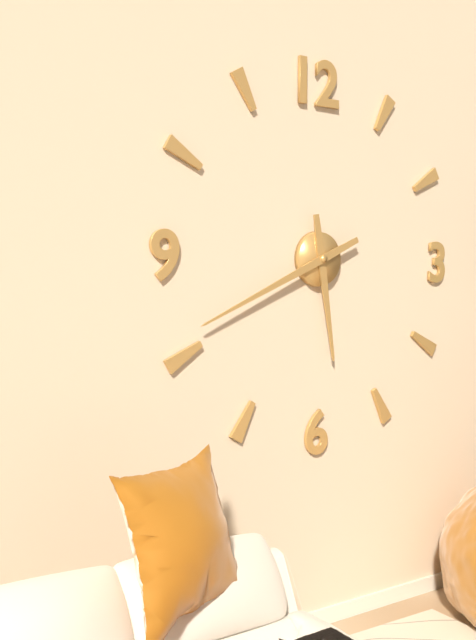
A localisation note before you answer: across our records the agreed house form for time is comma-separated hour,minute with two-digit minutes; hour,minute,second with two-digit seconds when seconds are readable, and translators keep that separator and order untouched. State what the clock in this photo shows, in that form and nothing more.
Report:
5,41
